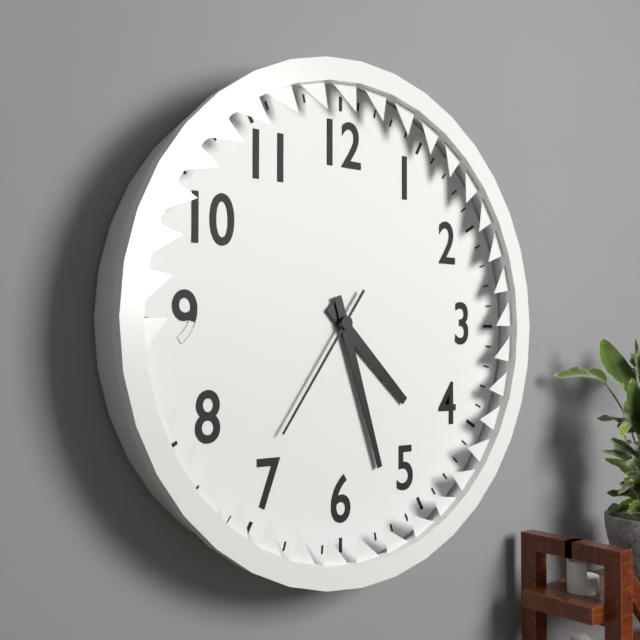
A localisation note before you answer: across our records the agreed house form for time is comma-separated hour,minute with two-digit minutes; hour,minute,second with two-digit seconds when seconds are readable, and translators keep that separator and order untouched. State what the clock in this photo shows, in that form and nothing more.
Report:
4,27,36
